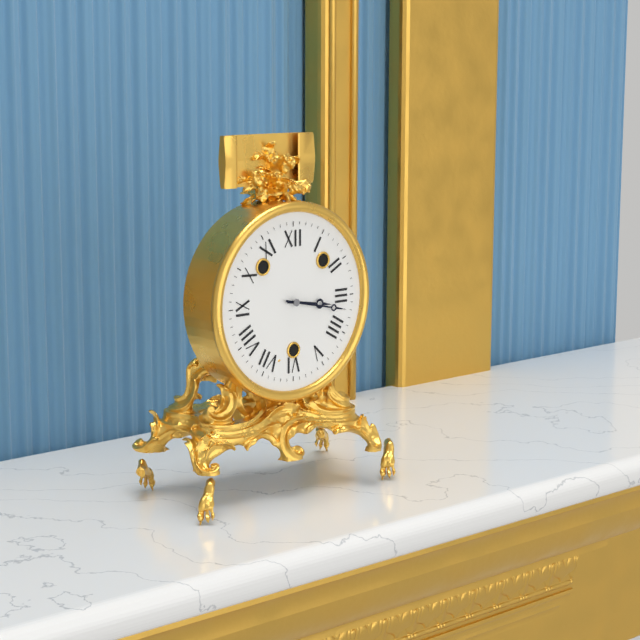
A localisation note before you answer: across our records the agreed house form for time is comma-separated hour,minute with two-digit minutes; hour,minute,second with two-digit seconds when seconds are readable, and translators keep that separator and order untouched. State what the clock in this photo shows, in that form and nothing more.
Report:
3,17
